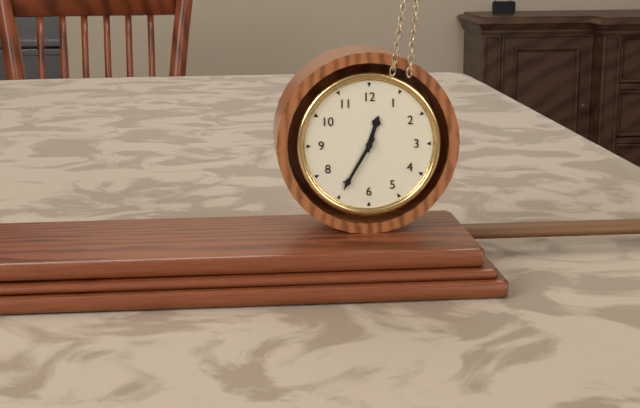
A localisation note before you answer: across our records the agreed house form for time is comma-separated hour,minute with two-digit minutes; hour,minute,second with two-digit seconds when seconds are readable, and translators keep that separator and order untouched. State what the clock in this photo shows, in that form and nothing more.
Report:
12,35
